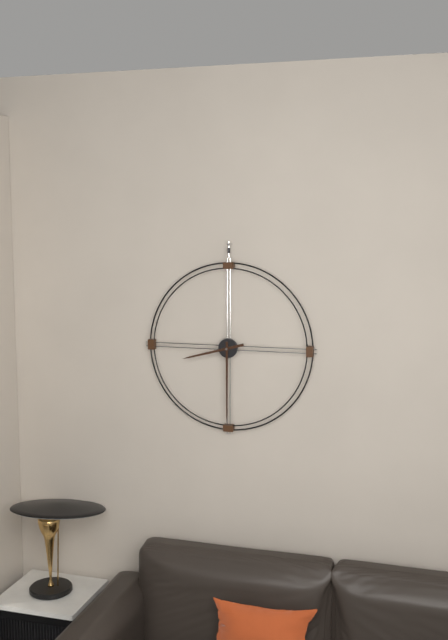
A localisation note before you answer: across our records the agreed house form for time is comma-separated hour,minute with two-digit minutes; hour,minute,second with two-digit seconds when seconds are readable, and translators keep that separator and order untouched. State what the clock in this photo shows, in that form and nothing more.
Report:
8,30
